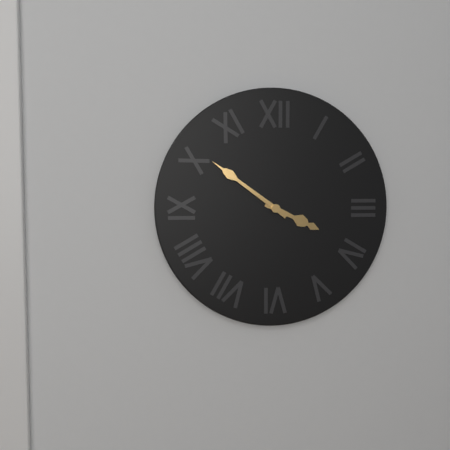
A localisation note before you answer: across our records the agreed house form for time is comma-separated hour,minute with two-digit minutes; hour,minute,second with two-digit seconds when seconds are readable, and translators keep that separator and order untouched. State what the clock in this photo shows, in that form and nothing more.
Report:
3,51
